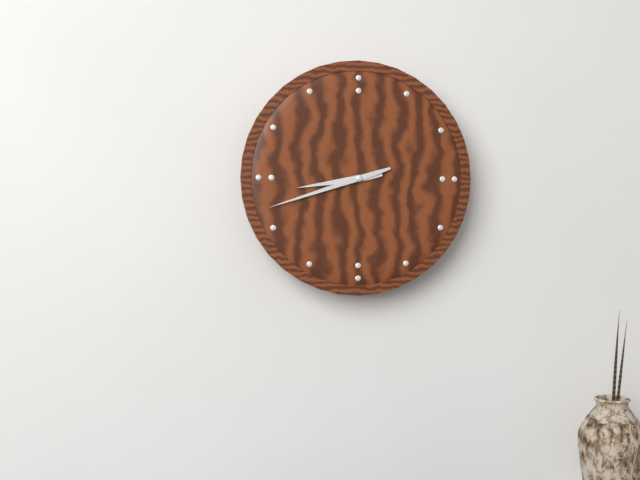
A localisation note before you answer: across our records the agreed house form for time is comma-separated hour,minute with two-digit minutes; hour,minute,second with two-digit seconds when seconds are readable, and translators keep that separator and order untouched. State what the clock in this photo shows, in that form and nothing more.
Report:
8,42
